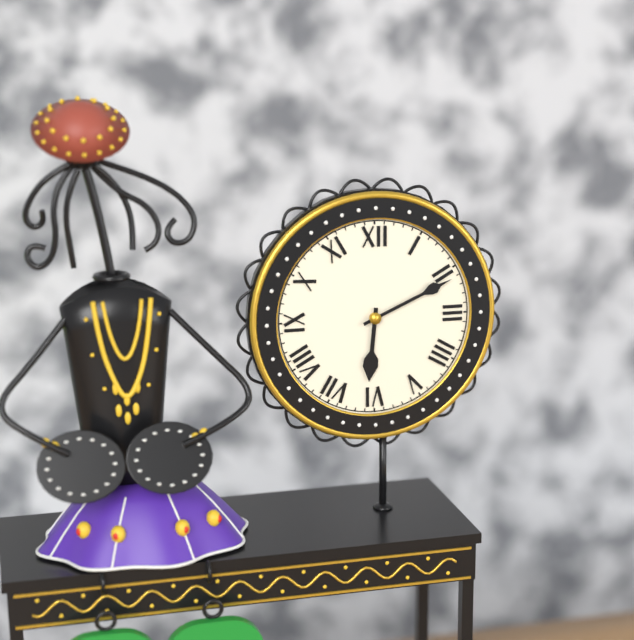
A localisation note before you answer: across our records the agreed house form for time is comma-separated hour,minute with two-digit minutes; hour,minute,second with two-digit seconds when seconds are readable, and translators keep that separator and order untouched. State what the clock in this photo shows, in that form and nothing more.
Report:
6,11
